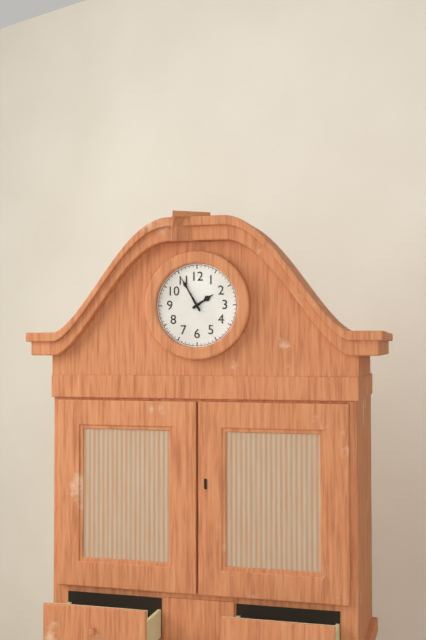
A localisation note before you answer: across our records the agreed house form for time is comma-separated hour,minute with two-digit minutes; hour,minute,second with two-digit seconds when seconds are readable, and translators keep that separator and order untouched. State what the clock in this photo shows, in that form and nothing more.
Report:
1,55
